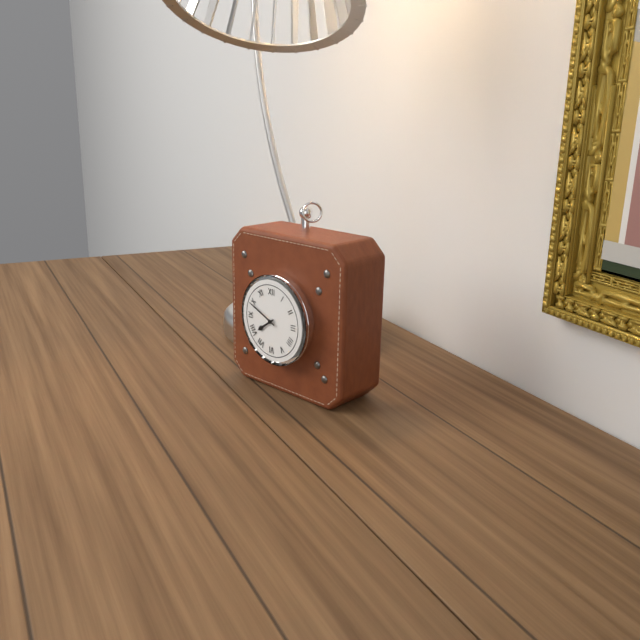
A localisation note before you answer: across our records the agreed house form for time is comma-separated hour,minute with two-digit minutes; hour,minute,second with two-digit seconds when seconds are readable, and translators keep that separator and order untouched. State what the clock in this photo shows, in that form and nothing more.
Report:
7,49
